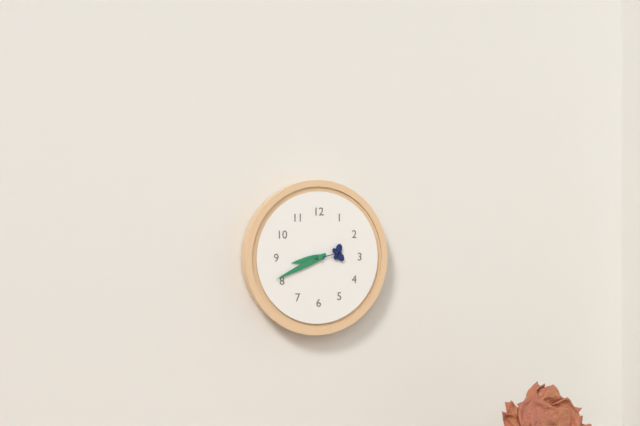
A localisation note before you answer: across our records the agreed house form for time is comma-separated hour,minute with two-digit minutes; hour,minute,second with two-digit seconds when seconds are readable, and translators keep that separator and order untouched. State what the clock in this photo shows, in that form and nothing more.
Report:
8,41
